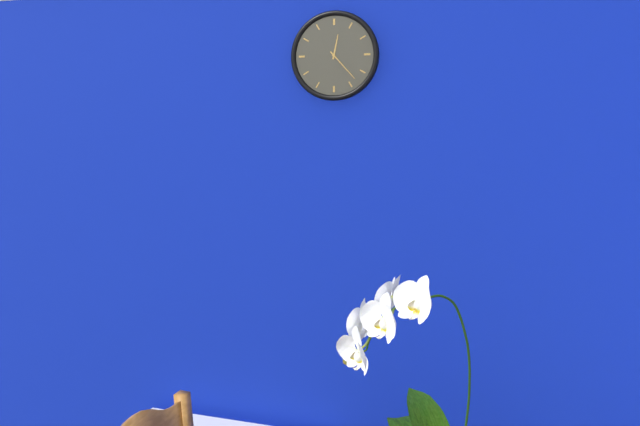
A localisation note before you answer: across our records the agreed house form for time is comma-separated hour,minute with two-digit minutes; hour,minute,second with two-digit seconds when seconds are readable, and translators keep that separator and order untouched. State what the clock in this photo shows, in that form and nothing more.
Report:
12,23
